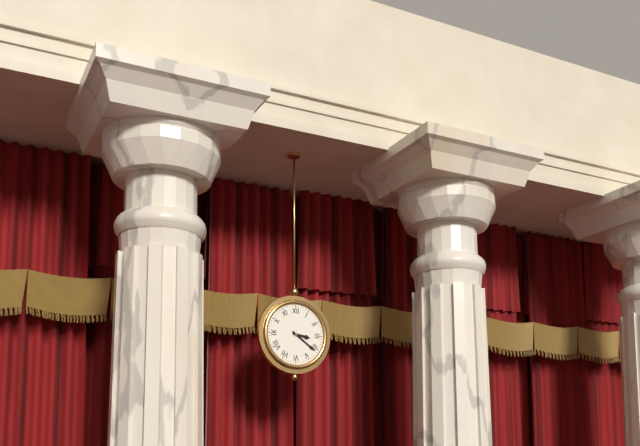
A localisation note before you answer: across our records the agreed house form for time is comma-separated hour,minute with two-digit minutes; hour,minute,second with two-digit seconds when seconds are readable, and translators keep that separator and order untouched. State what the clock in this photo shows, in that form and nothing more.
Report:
3,21
